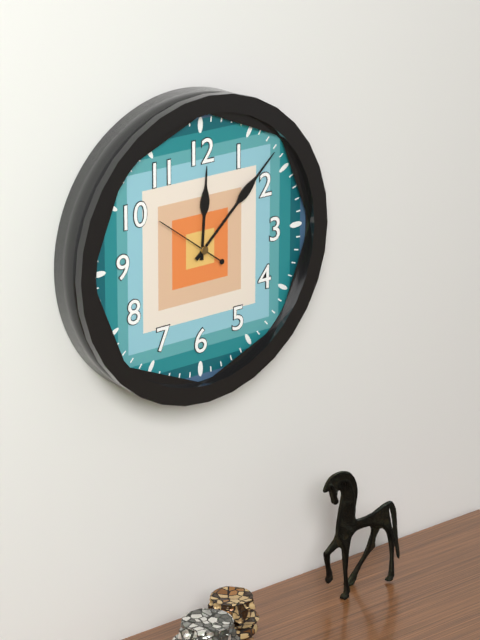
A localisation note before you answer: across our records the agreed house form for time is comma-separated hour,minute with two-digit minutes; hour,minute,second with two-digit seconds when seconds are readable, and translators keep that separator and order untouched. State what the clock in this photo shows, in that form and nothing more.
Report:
12,08,51
